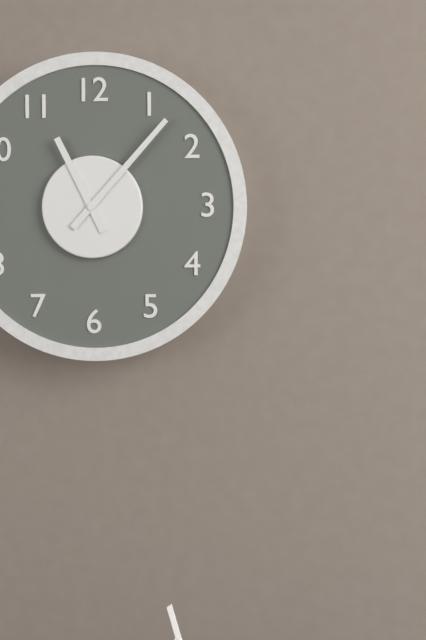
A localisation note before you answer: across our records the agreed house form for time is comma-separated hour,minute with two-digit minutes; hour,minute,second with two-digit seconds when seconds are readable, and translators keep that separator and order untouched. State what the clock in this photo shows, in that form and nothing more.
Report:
11,07
